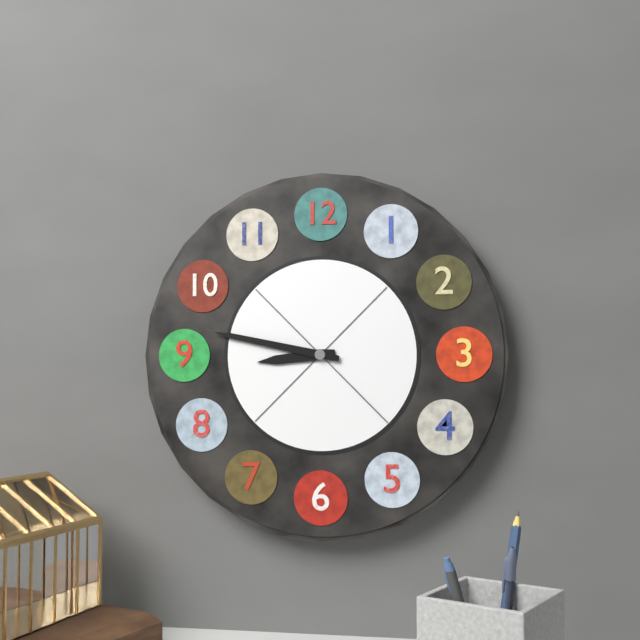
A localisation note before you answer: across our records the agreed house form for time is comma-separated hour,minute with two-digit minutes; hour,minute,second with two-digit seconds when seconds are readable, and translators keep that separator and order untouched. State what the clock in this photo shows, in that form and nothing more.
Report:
8,47
